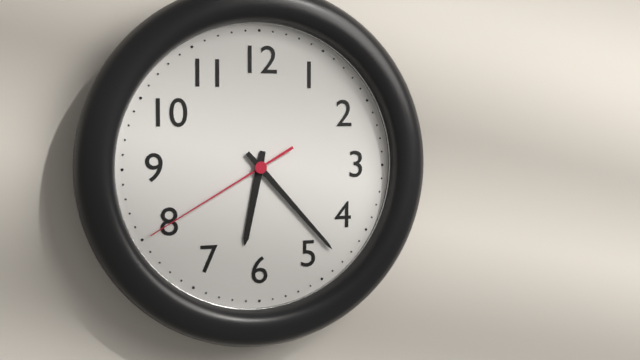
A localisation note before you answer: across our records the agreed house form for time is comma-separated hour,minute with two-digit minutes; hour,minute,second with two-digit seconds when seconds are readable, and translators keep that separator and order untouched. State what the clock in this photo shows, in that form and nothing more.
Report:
6,23,40
